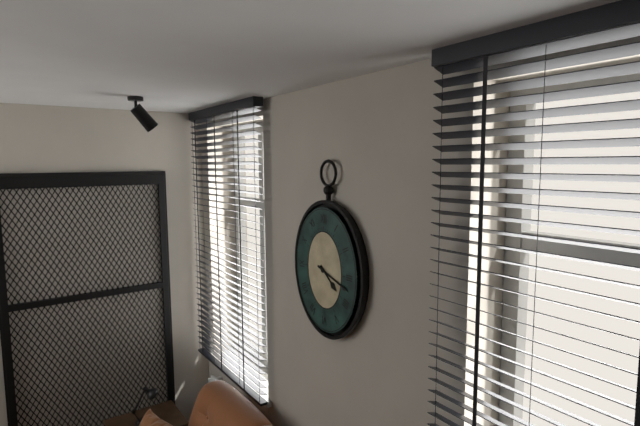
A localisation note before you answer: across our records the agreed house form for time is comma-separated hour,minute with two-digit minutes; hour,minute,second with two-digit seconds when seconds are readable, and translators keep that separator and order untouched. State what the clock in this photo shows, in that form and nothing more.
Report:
4,18
